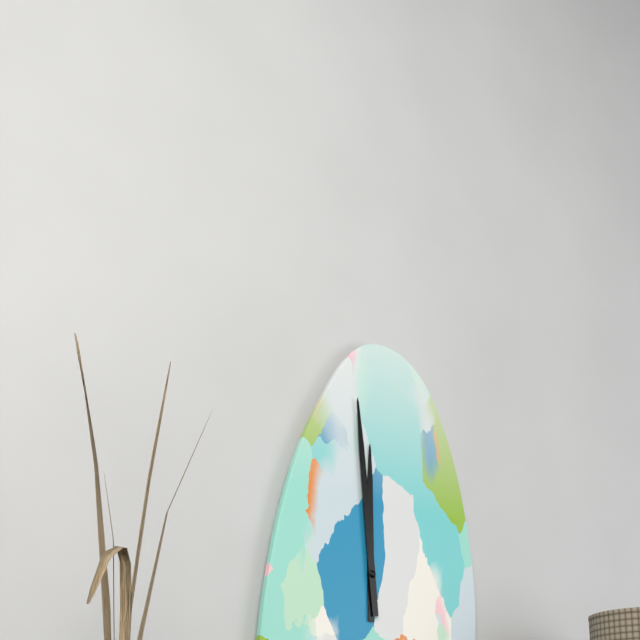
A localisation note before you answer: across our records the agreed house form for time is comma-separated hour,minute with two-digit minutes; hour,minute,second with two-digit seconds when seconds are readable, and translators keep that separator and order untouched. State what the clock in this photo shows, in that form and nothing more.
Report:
11,59
